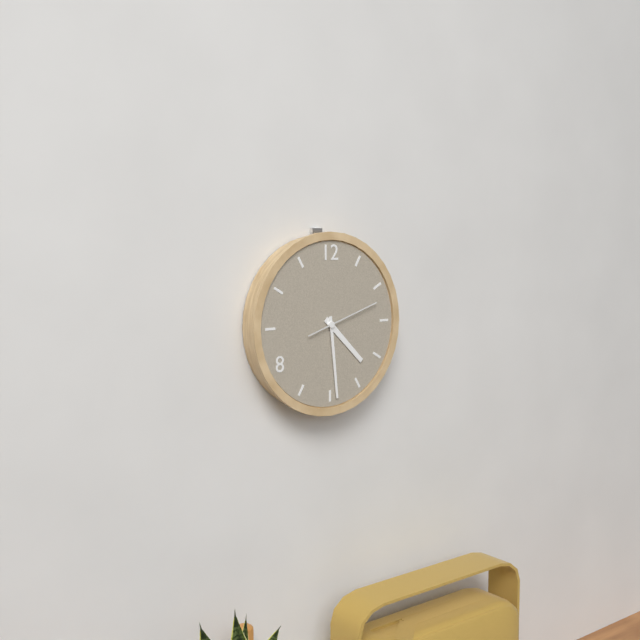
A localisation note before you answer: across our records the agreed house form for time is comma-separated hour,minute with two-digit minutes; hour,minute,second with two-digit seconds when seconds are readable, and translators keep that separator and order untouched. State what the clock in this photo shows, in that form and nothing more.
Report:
4,29,12
